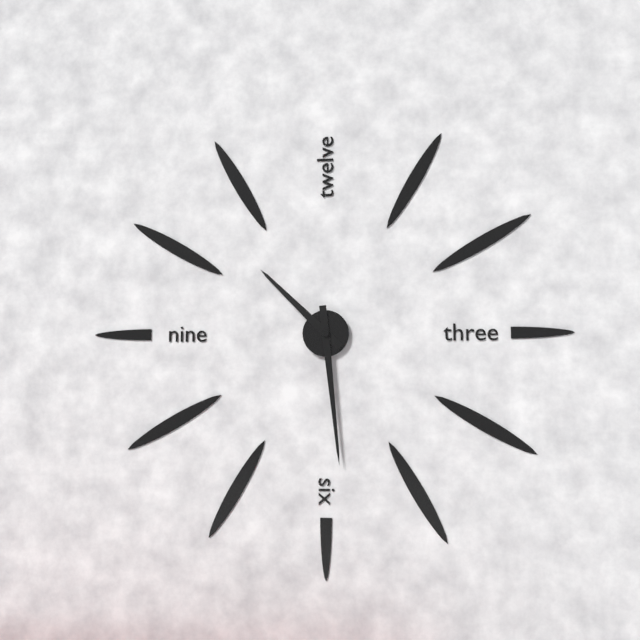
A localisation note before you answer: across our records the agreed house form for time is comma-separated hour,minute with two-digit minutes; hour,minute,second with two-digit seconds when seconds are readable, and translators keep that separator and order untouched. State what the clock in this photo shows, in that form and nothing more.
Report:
10,29
